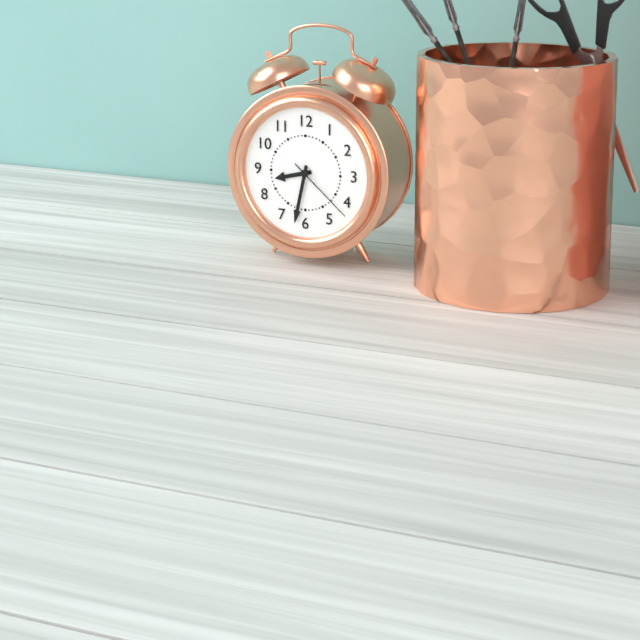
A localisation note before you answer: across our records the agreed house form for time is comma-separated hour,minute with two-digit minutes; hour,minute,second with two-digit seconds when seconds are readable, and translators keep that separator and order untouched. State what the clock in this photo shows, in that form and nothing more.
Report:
8,32,22
